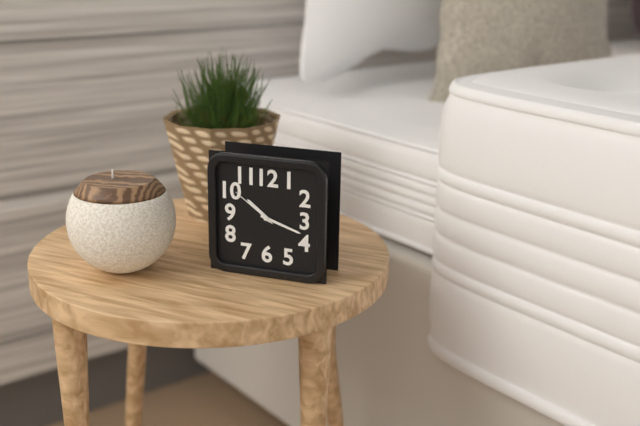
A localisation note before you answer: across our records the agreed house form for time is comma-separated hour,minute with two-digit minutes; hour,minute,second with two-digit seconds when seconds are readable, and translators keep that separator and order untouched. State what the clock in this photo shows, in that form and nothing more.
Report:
10,18,51
